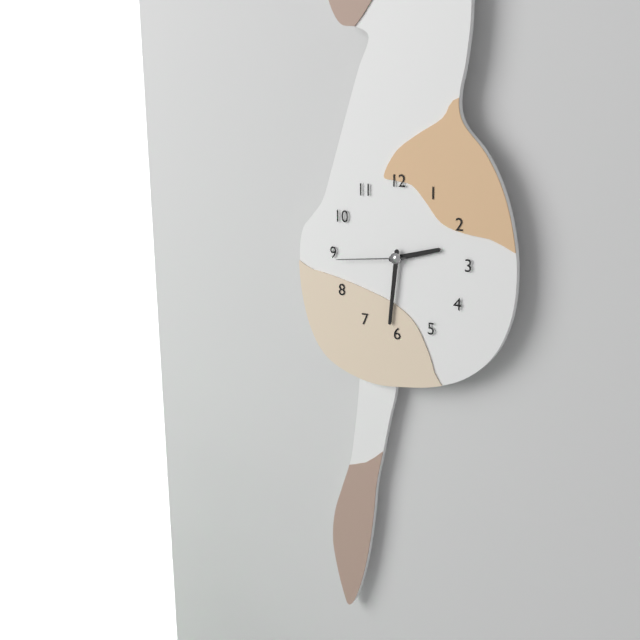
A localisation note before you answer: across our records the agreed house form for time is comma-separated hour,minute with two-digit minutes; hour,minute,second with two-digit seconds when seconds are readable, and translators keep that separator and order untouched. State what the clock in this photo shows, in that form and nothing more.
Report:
2,31,44
